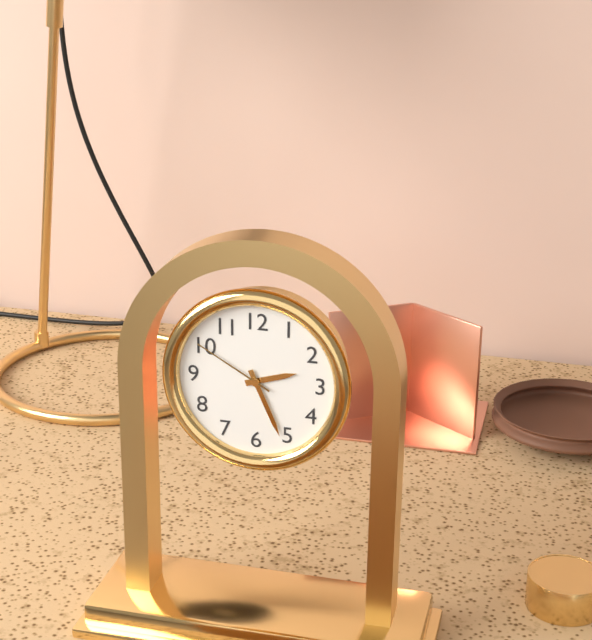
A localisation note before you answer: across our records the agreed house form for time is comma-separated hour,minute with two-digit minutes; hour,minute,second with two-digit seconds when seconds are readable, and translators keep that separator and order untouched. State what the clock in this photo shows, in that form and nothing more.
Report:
2,26,50
